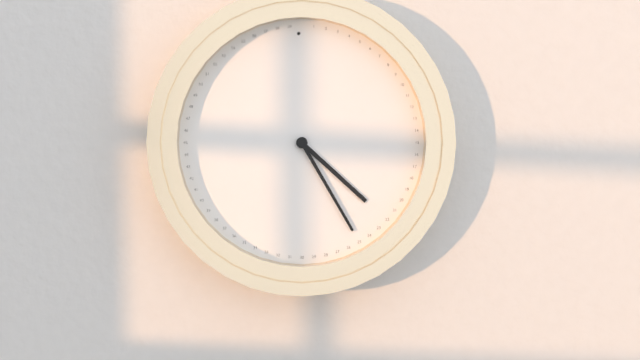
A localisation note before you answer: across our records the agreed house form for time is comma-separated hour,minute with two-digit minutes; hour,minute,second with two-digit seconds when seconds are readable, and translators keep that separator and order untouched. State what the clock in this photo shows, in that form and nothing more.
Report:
4,25
